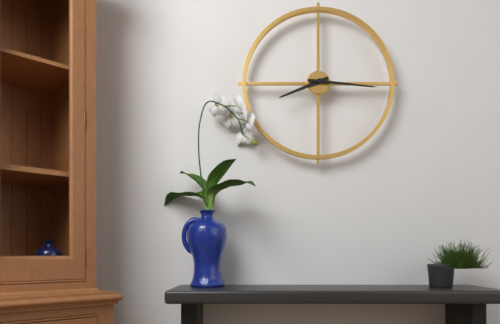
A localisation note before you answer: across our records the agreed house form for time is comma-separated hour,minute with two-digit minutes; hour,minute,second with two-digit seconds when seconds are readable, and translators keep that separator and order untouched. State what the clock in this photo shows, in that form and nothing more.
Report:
8,16
